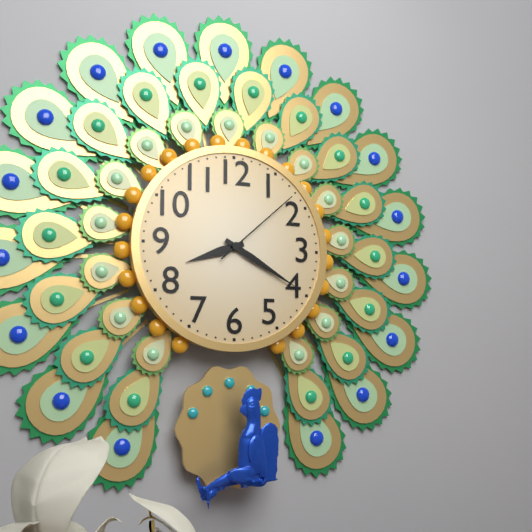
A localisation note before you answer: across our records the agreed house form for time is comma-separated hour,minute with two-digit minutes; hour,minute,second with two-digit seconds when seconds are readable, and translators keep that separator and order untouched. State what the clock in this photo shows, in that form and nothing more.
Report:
8,20,08
